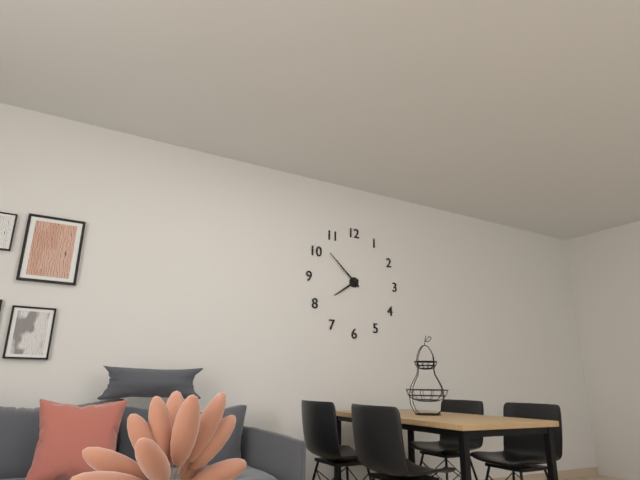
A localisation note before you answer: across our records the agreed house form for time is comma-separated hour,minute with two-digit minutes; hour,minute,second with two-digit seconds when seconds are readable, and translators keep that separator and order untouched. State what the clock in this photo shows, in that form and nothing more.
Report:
7,52
